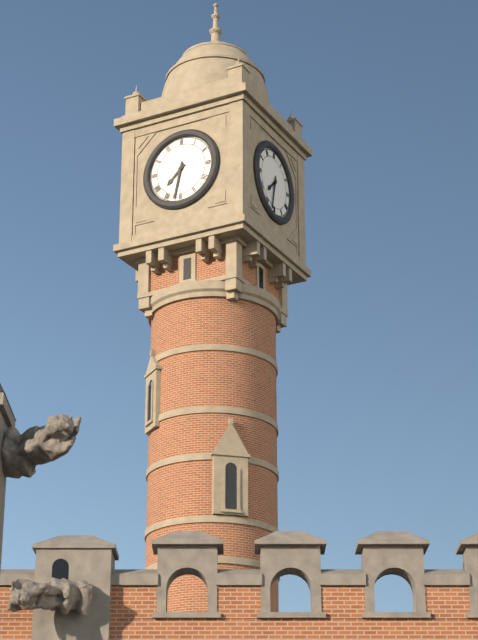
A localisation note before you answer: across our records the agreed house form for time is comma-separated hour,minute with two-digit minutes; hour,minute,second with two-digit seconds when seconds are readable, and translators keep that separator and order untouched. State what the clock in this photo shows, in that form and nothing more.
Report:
7,32
